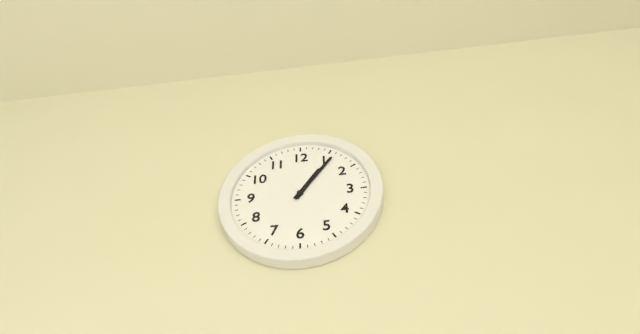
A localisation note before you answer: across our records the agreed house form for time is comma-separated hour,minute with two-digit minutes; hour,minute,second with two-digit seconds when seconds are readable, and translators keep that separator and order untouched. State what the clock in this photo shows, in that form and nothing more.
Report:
1,06
